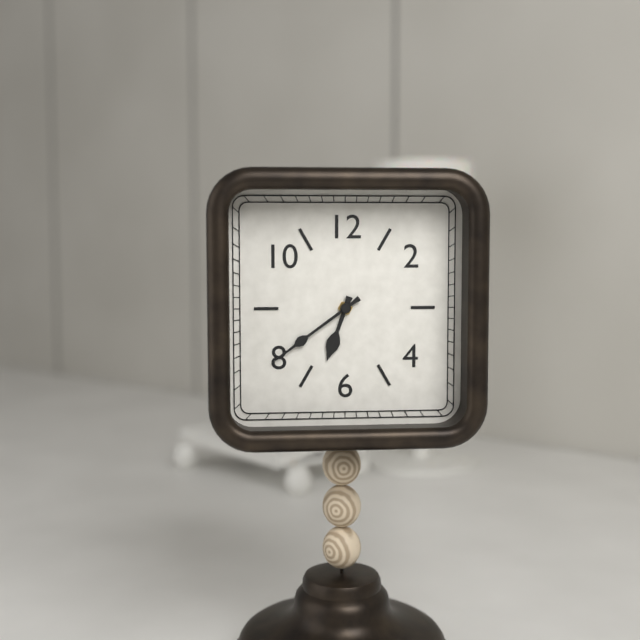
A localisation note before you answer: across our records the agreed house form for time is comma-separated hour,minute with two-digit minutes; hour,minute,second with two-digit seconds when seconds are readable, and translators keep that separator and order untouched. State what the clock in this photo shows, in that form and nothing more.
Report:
6,39
